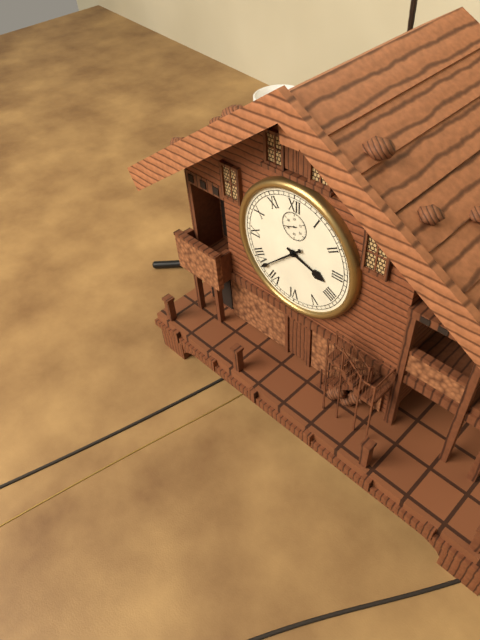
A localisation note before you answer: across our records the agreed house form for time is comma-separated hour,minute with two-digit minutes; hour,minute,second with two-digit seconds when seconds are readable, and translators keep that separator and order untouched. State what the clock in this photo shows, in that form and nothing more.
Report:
3,38
